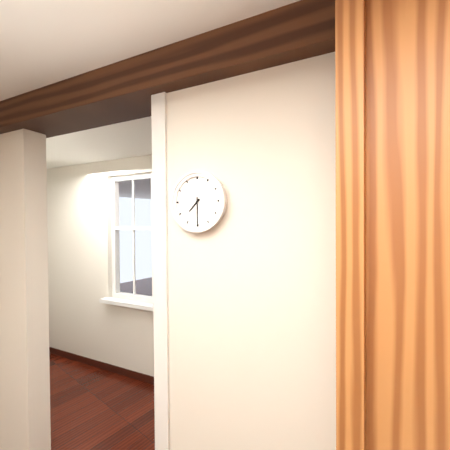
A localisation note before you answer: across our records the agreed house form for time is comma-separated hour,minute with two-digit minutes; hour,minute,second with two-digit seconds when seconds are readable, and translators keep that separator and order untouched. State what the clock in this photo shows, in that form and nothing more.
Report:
7,30
